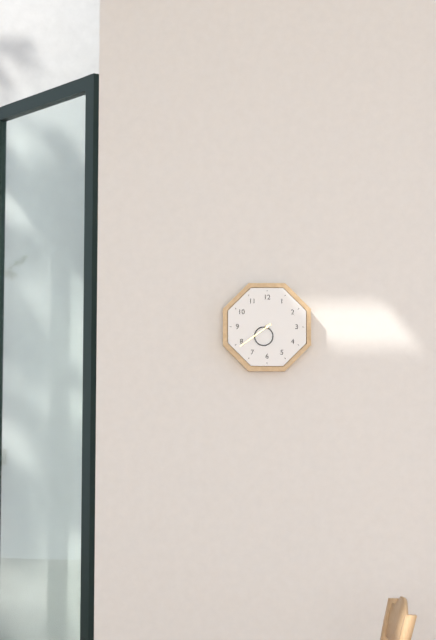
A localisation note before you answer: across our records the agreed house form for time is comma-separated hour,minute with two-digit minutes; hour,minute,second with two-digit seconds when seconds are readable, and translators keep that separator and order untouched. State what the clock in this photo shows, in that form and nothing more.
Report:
6,39
